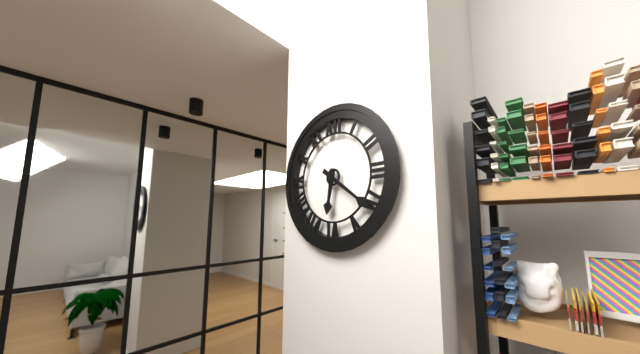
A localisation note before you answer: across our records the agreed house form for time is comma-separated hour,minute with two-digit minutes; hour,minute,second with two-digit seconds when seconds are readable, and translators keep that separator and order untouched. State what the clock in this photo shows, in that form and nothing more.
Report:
6,21
